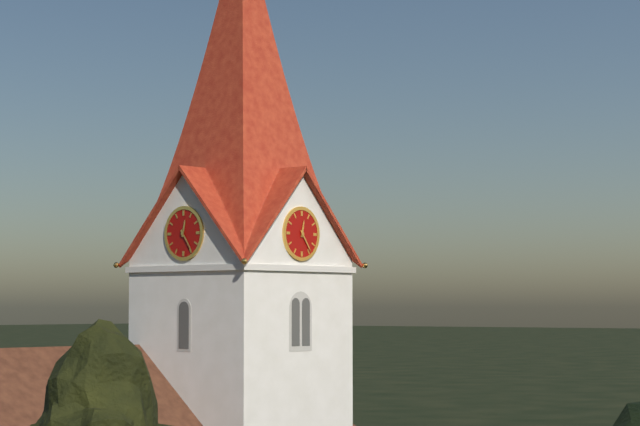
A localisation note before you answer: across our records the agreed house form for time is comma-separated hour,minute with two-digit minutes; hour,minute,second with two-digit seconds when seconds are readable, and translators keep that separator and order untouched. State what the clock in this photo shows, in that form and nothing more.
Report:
12,24
